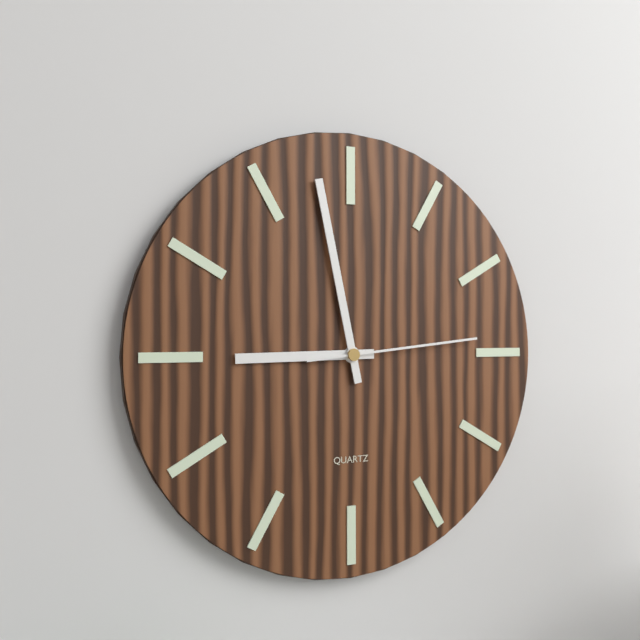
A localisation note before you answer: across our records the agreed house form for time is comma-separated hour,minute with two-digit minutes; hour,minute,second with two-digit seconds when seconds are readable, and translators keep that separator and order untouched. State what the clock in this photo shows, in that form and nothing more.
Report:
8,58,14
